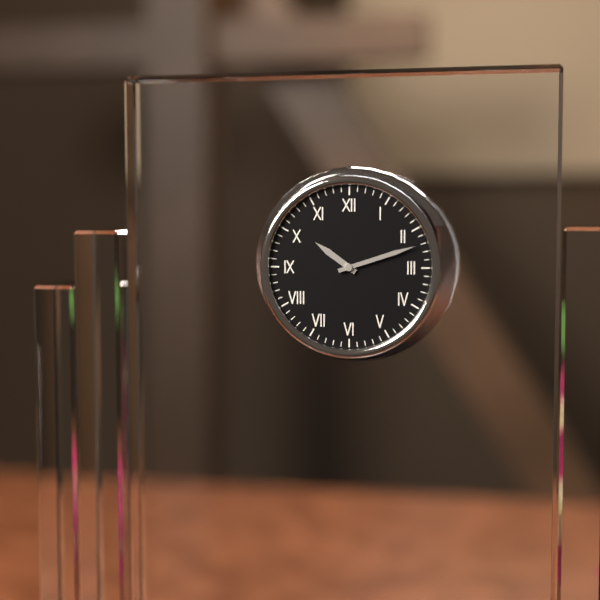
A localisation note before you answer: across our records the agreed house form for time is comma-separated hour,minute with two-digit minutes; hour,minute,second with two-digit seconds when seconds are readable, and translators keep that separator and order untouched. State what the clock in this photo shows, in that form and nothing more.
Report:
10,12
